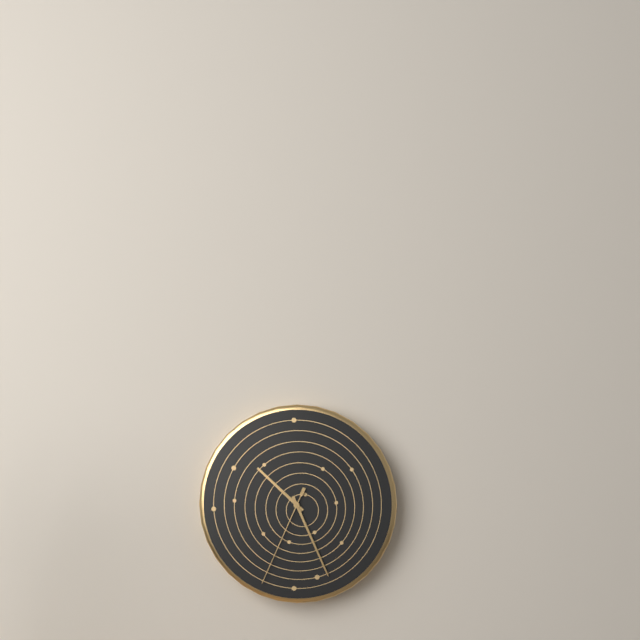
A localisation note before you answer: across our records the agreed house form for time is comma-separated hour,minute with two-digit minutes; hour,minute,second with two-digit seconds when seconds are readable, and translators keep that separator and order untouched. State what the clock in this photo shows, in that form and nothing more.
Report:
10,26,34
